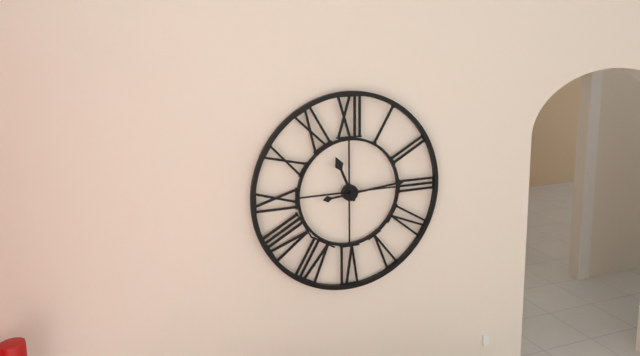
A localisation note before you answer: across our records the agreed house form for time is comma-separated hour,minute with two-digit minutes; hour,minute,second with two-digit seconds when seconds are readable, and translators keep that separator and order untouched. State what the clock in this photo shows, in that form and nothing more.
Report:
11,14
